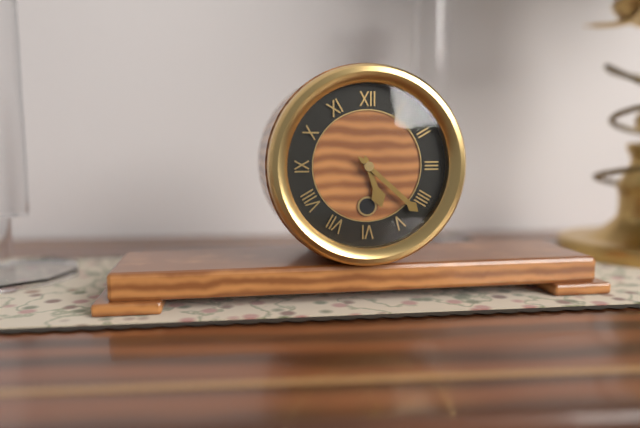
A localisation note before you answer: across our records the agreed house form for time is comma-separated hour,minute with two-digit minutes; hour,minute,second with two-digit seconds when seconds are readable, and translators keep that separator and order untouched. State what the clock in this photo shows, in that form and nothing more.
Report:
5,22
